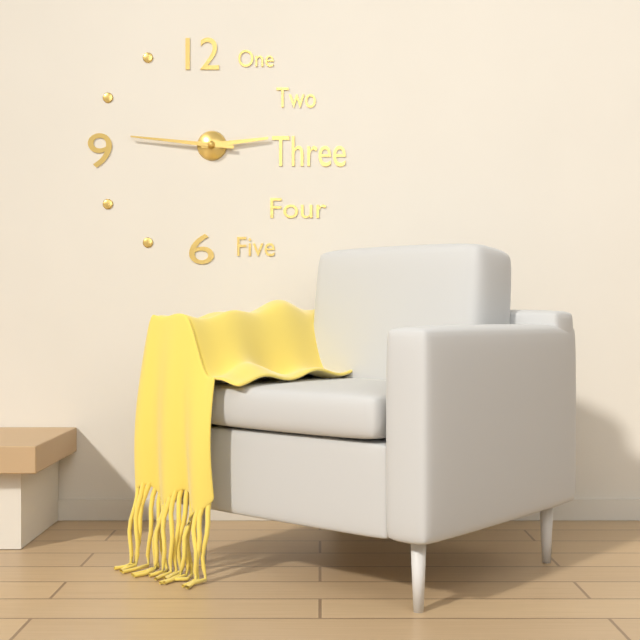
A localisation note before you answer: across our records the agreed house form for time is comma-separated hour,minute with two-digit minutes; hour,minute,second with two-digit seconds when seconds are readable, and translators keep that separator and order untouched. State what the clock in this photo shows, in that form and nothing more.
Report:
2,46
